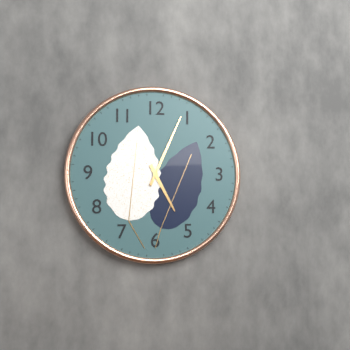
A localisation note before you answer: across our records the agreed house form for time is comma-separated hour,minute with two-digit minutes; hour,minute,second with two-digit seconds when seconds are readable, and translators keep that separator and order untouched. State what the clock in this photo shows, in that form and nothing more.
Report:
5,04
